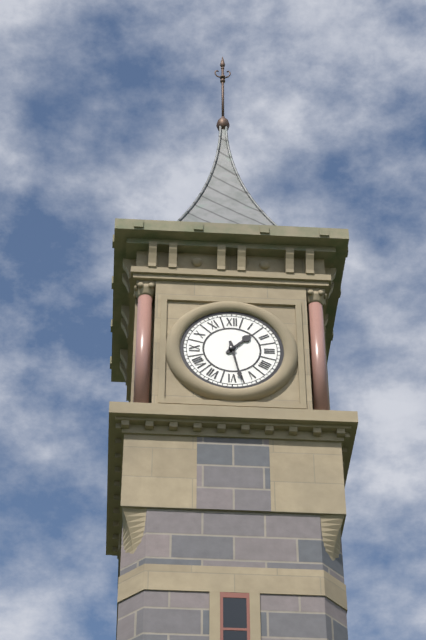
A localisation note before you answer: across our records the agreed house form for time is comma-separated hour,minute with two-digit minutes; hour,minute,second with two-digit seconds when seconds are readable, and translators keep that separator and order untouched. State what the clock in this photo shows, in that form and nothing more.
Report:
1,28
